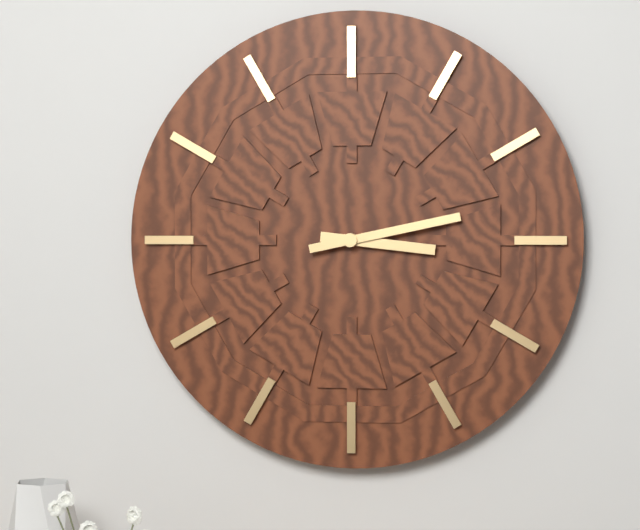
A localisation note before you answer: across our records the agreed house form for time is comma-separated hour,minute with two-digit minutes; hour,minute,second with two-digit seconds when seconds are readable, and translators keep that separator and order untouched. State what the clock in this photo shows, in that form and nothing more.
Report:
3,13
